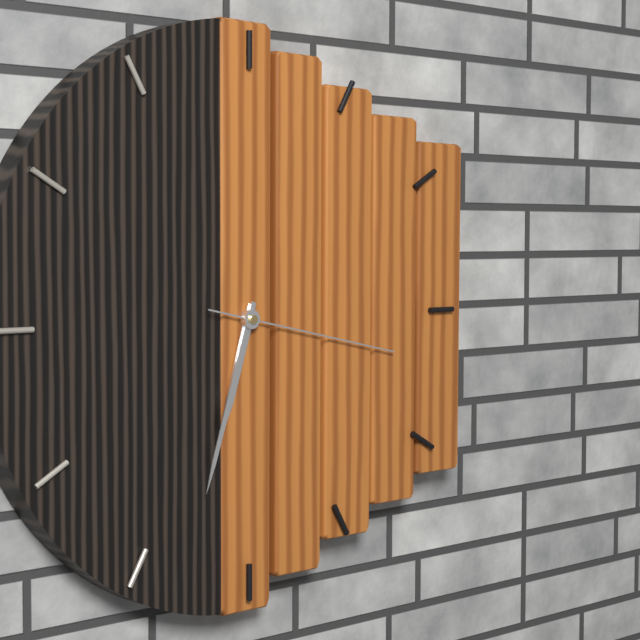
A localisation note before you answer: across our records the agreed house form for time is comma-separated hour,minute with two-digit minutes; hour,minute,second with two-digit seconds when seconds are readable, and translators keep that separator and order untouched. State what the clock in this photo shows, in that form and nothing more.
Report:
6,33,17
